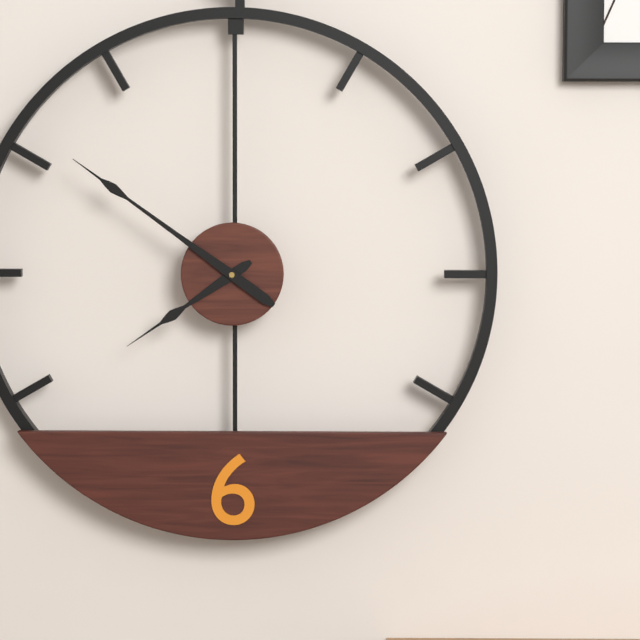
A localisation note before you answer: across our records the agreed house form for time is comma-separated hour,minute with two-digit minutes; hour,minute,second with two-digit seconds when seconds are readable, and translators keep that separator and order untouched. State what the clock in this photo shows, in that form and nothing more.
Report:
7,51
